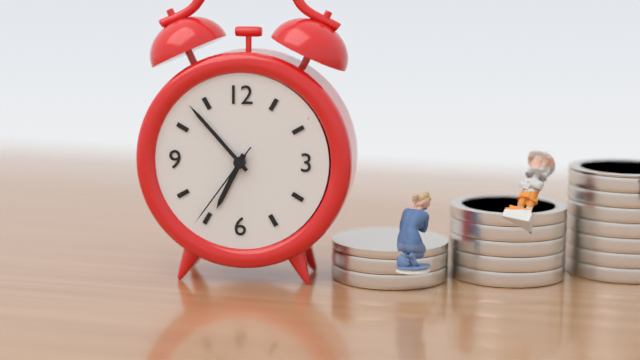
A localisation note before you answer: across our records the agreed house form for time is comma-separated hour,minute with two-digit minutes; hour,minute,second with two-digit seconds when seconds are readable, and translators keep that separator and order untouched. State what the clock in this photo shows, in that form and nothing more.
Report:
6,53,36
